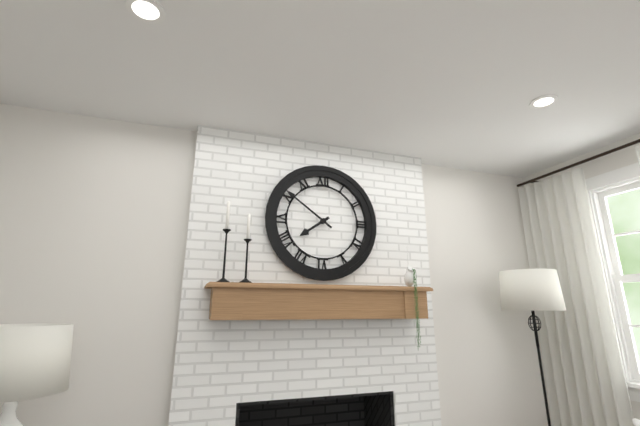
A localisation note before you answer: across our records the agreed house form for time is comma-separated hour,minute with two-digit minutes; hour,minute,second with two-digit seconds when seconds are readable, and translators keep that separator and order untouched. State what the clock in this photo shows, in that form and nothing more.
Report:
7,51
